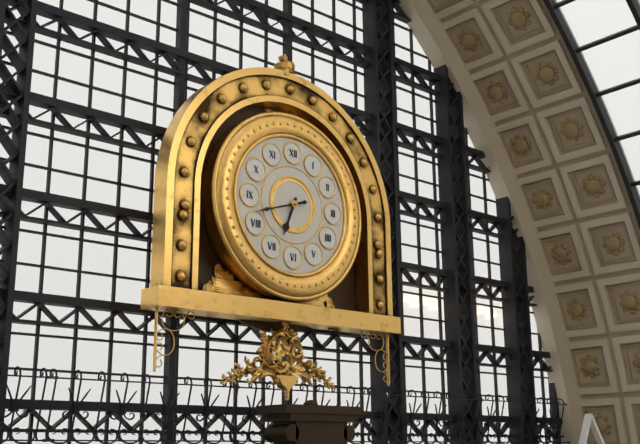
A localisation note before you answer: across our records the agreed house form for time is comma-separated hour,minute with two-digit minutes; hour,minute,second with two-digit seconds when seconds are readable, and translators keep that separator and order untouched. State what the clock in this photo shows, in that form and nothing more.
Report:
6,42
